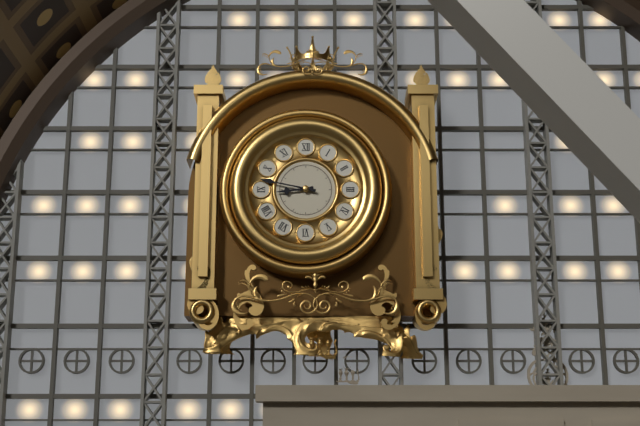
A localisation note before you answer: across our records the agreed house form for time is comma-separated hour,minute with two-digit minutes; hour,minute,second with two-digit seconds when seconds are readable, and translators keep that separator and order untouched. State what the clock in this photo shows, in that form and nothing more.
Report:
8,47
